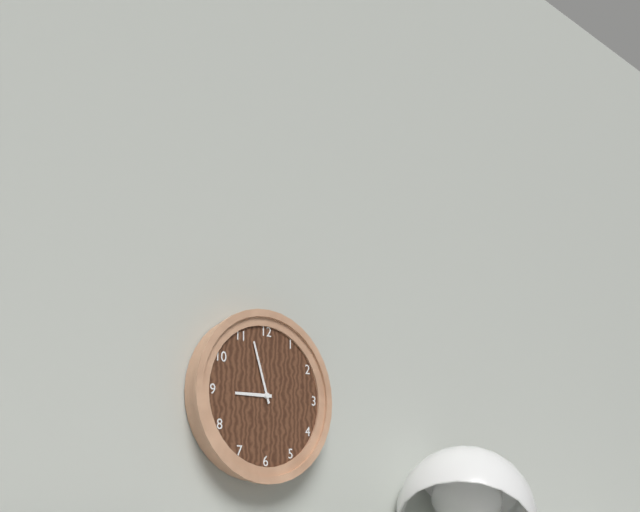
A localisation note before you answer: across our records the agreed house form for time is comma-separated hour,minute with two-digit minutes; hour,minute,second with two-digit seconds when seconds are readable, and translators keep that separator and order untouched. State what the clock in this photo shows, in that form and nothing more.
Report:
8,57
